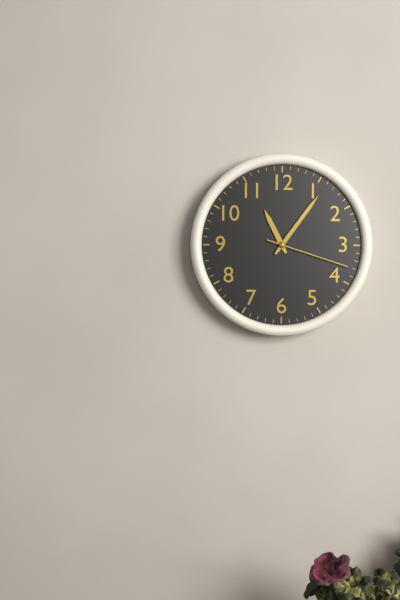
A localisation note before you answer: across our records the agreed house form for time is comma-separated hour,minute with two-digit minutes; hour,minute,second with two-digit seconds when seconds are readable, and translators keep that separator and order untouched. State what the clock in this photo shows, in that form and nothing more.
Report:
11,06,18
